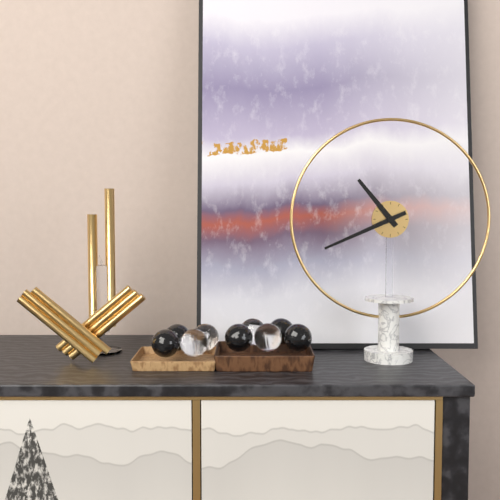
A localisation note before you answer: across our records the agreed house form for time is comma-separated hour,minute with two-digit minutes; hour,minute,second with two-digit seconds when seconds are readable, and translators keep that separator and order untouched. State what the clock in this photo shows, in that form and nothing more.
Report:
10,41
